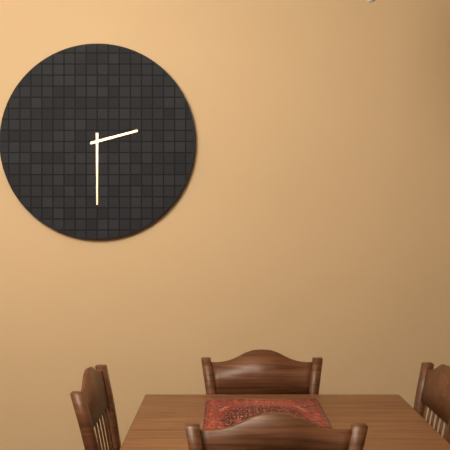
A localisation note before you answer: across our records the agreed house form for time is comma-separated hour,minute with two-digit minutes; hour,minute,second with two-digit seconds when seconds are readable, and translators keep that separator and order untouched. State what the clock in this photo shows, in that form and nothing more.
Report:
2,30
